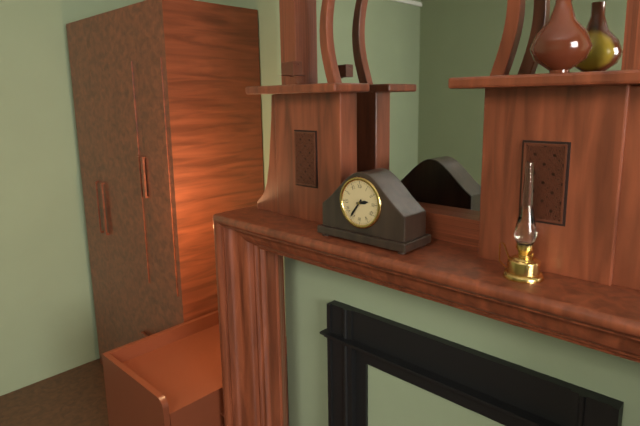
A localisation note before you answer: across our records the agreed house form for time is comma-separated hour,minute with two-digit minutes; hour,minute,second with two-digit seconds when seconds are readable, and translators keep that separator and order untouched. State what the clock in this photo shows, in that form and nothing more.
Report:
2,36
